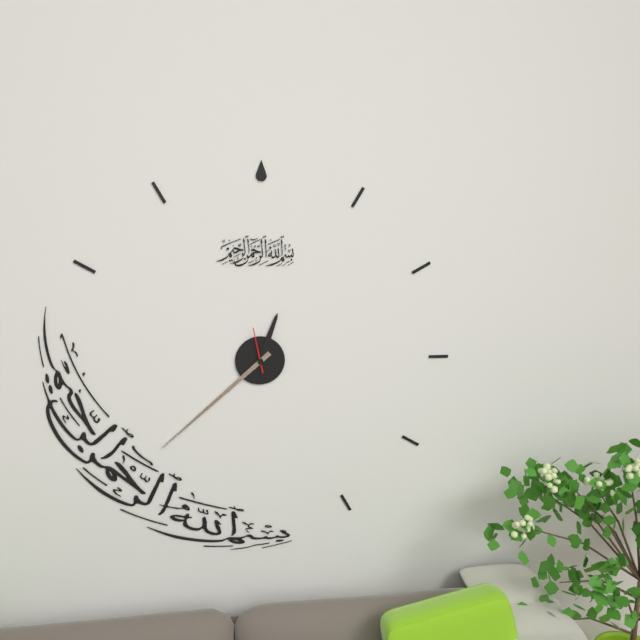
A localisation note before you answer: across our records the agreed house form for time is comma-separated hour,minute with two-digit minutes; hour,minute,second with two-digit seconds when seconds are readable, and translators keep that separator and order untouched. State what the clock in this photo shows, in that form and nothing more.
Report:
12,38
